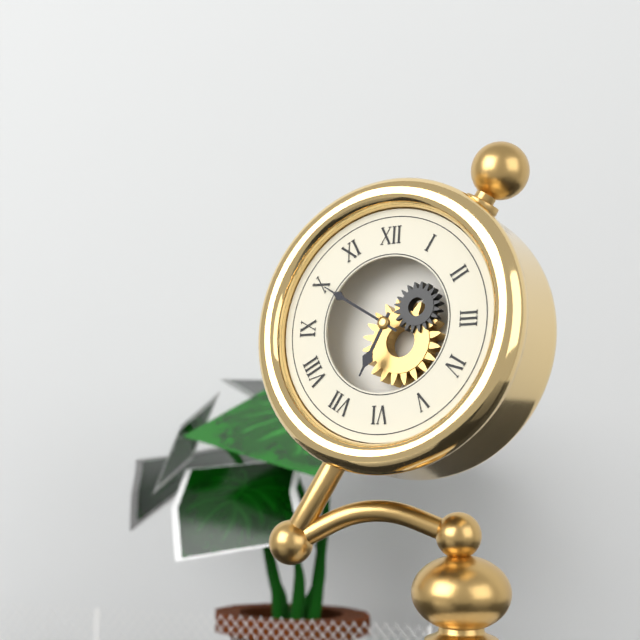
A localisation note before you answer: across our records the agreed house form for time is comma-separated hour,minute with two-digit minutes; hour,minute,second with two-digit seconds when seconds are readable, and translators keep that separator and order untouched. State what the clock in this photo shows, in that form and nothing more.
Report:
6,50
